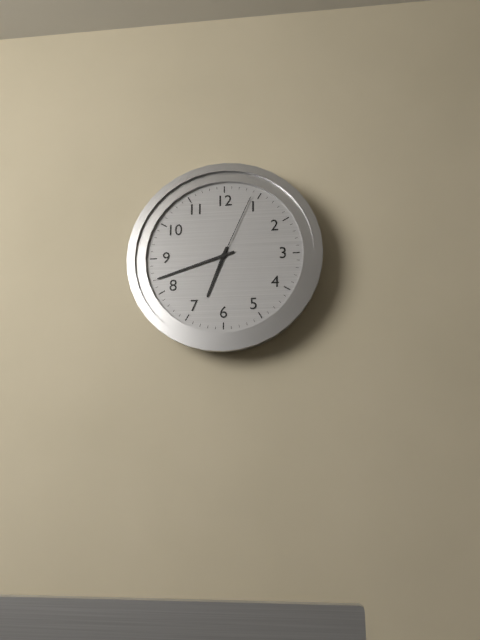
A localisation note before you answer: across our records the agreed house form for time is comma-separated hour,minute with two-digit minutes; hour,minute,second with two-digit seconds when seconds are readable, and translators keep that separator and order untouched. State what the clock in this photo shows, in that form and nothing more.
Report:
6,42,04
